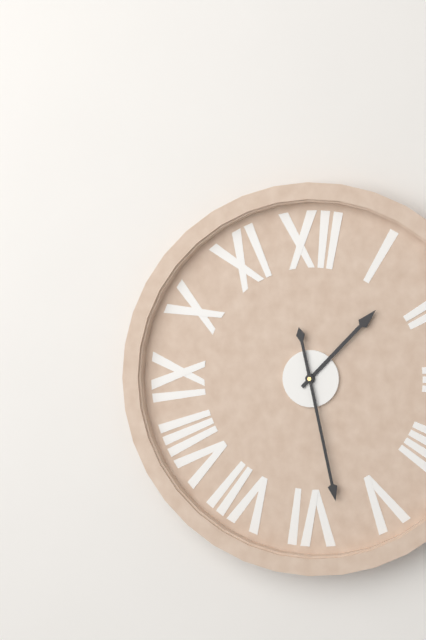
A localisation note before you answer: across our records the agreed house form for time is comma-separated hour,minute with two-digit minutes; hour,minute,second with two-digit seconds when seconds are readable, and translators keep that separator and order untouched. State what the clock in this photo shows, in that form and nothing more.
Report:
1,28
